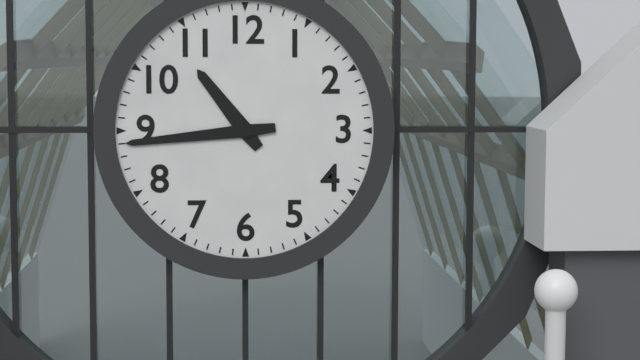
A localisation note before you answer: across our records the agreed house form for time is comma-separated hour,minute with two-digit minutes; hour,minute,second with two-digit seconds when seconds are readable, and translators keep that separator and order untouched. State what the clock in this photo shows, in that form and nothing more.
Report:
10,44
